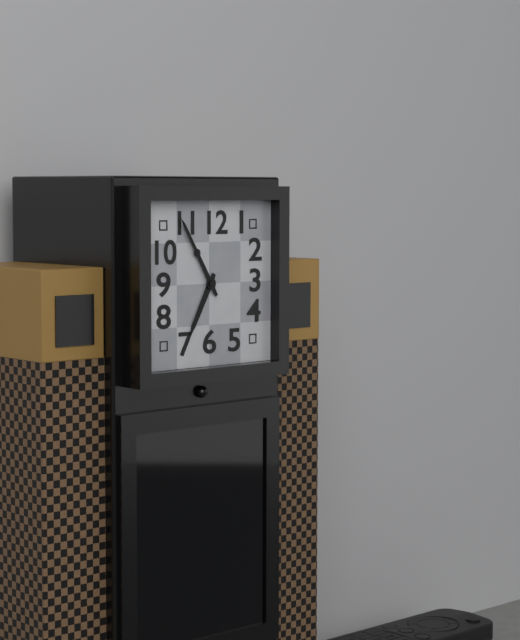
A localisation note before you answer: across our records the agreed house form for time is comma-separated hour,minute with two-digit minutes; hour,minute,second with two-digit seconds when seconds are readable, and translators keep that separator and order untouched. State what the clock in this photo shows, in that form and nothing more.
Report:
6,55
